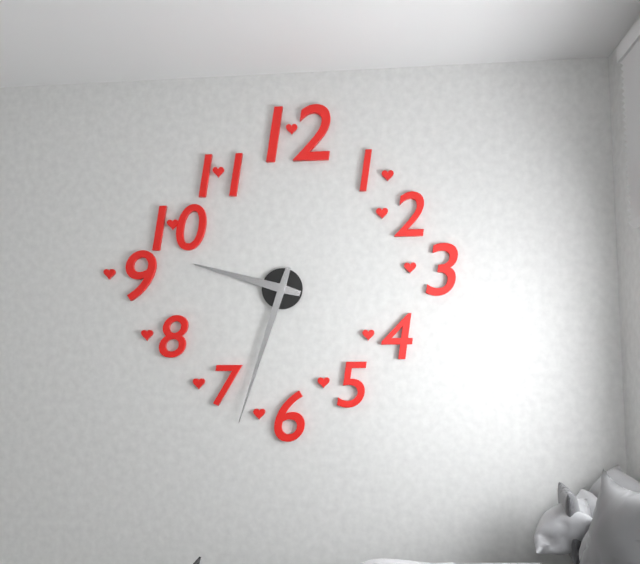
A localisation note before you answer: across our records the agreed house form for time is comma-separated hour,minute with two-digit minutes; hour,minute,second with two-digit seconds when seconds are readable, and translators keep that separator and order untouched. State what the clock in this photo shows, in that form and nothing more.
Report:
9,33
